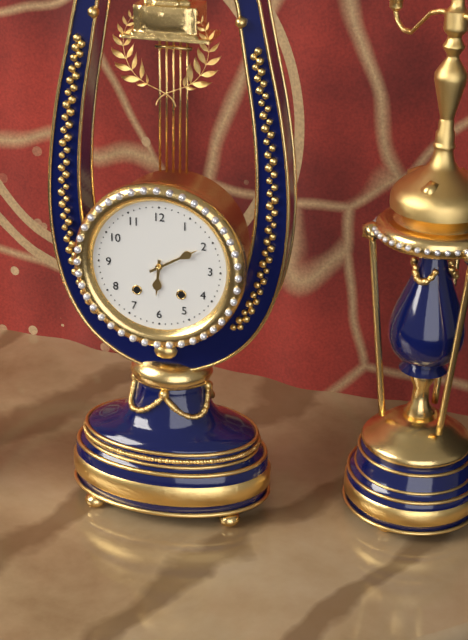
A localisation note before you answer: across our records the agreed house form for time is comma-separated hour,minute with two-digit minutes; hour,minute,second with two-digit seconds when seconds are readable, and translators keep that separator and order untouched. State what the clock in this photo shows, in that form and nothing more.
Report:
6,10
